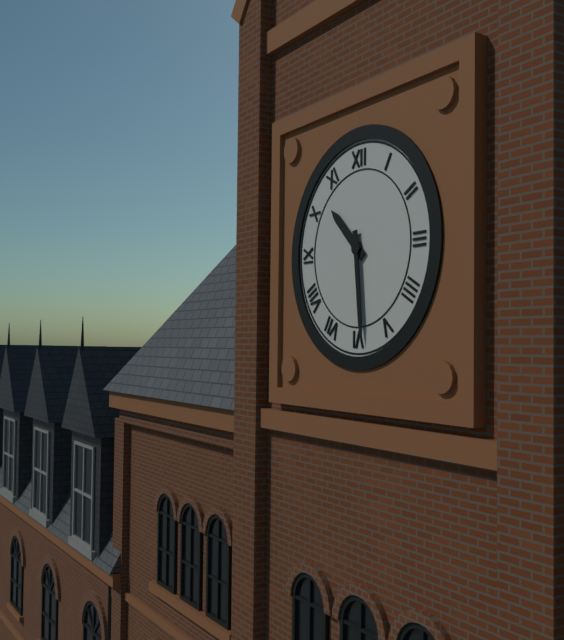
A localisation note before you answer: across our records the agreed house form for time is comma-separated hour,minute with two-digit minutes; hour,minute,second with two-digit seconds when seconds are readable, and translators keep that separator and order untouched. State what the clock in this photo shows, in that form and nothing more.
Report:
10,29
